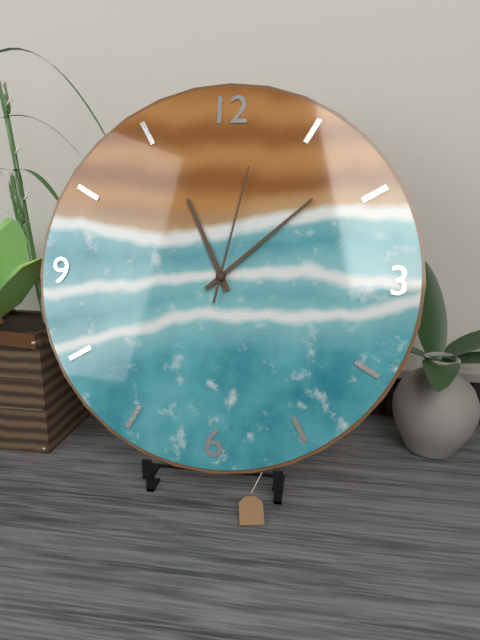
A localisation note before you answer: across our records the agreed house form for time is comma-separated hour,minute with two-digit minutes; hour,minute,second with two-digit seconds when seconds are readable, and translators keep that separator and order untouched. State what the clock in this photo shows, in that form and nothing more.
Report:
11,08,02
